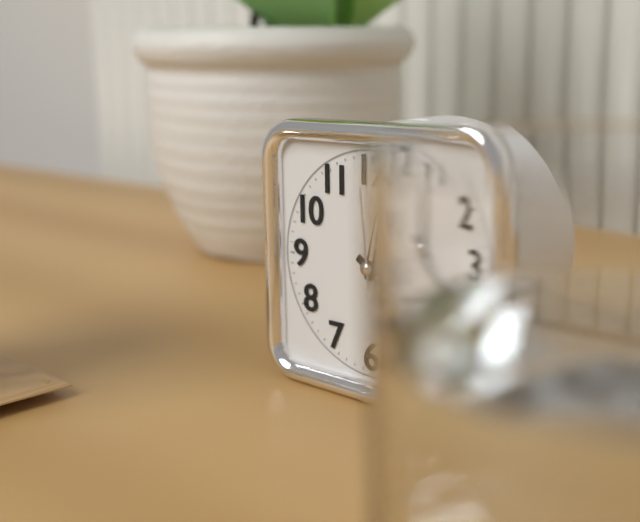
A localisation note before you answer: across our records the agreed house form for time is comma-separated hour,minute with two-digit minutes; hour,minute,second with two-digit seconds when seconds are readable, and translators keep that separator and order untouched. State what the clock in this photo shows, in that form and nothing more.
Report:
12,21,59
